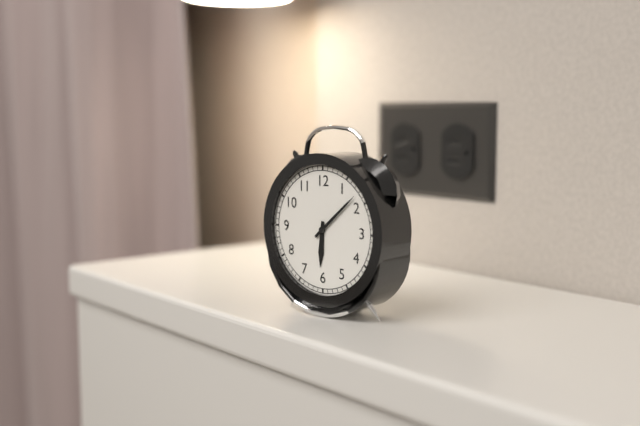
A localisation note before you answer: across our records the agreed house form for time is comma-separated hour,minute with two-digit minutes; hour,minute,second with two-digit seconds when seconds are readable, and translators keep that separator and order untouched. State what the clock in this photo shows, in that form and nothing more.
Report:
6,08
